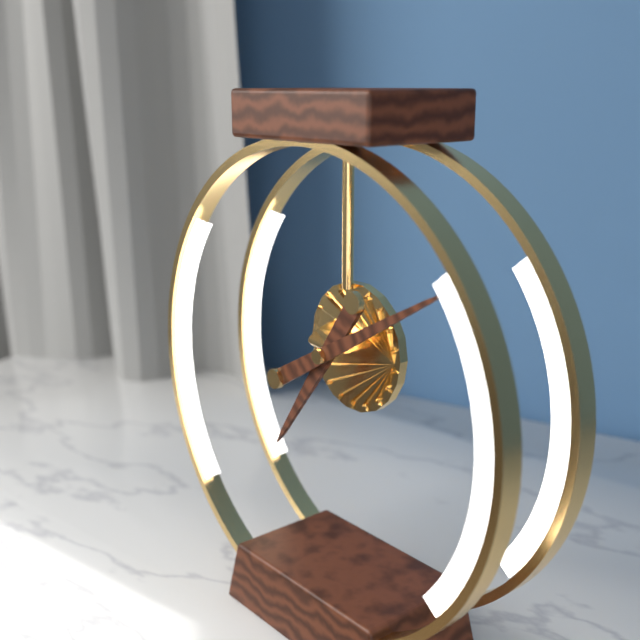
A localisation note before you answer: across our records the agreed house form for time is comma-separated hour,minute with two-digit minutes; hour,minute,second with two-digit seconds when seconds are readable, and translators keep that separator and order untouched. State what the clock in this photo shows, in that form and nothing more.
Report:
7,10
